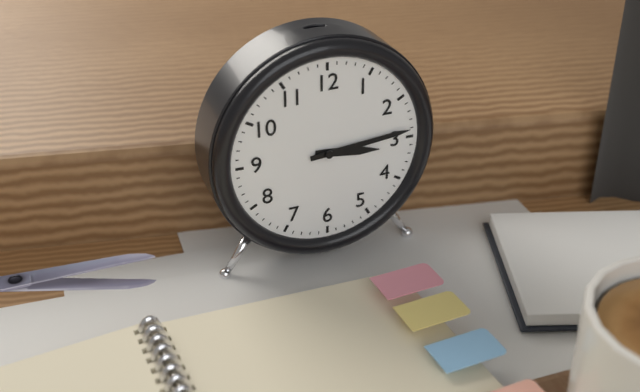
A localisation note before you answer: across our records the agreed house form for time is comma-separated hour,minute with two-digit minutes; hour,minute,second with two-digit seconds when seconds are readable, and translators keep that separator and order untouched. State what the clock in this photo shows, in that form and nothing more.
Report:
3,14
